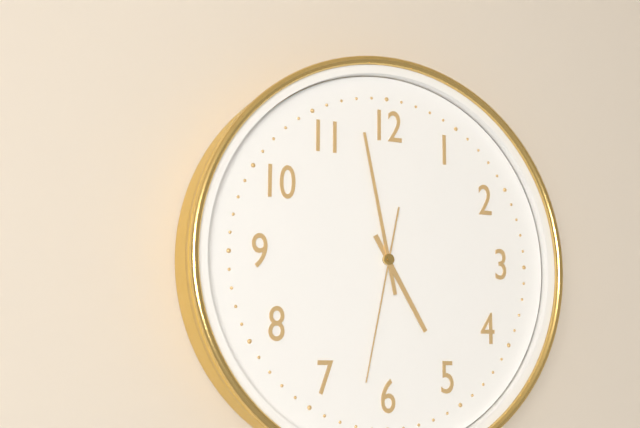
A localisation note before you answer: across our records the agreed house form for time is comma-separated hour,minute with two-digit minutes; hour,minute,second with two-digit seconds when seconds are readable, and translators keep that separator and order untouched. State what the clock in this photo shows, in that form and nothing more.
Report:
4,58,32
